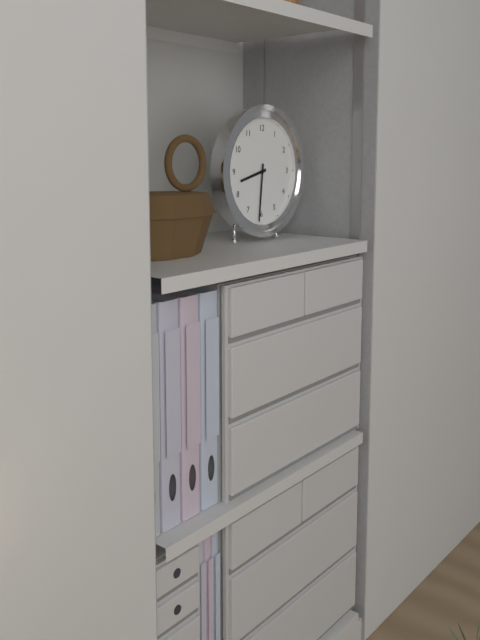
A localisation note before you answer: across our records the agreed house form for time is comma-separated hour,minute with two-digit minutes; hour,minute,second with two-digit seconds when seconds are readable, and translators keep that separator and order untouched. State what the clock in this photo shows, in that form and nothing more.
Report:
8,31
